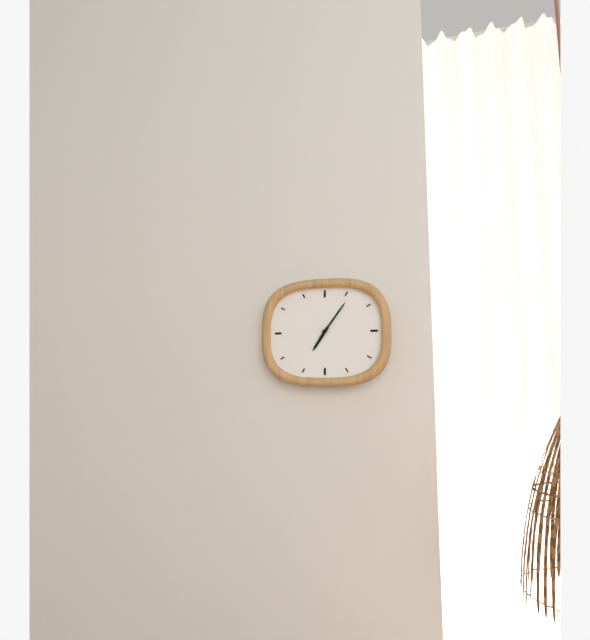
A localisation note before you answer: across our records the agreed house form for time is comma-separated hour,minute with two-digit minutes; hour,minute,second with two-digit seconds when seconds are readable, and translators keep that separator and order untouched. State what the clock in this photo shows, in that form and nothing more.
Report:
7,06
